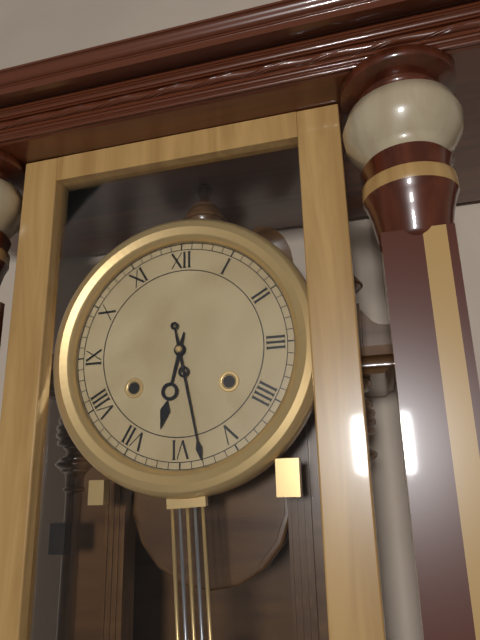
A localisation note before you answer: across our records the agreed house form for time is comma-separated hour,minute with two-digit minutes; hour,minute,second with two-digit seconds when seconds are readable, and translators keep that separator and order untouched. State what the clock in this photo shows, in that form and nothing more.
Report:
6,28
